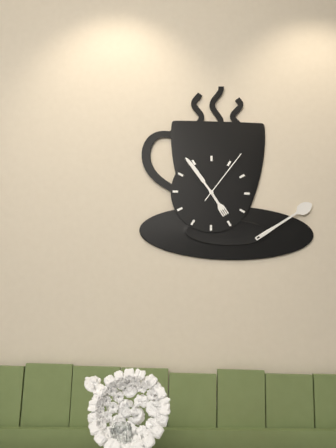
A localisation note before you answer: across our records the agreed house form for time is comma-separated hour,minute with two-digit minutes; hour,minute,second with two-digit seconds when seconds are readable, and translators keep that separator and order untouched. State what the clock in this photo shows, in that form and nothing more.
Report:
4,54,06
